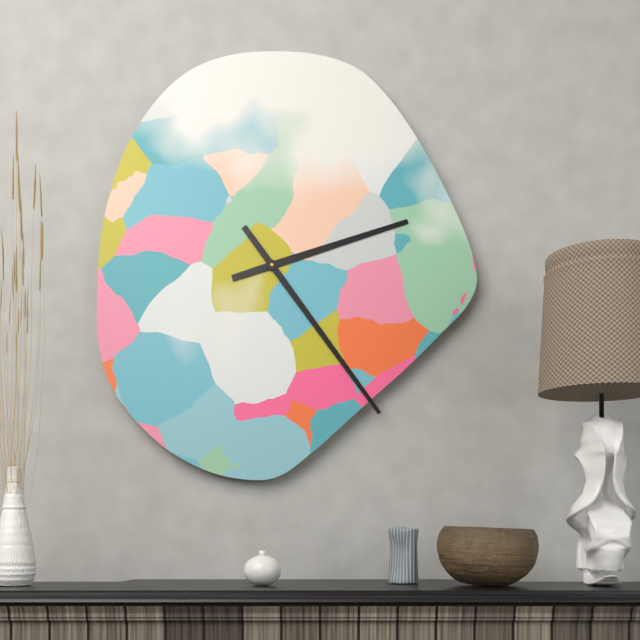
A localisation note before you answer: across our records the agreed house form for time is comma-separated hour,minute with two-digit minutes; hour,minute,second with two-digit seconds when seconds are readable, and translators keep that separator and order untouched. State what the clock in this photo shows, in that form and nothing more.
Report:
2,24
